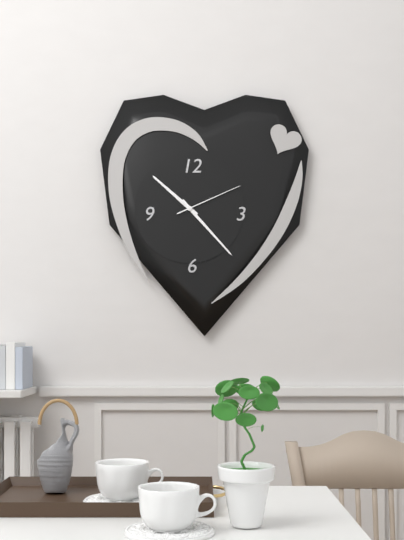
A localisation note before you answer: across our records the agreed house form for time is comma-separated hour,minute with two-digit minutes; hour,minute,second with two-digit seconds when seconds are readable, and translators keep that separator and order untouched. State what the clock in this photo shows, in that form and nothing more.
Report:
10,23,11
